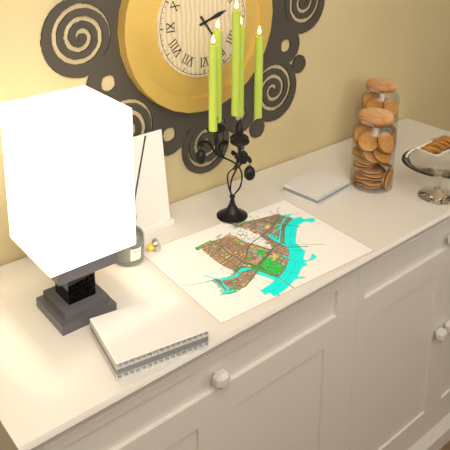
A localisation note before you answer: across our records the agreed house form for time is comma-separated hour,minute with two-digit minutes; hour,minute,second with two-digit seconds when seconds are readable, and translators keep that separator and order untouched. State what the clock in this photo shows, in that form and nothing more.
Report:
2,24
